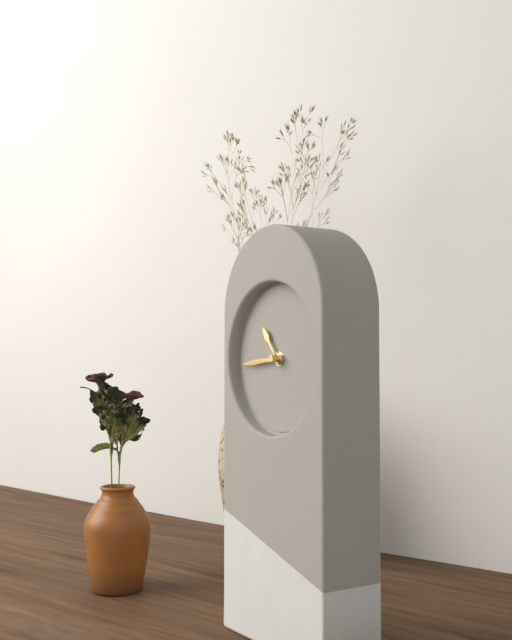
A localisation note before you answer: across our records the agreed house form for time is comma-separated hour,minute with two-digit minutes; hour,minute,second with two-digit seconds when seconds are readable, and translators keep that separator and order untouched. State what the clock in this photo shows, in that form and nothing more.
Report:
10,44
